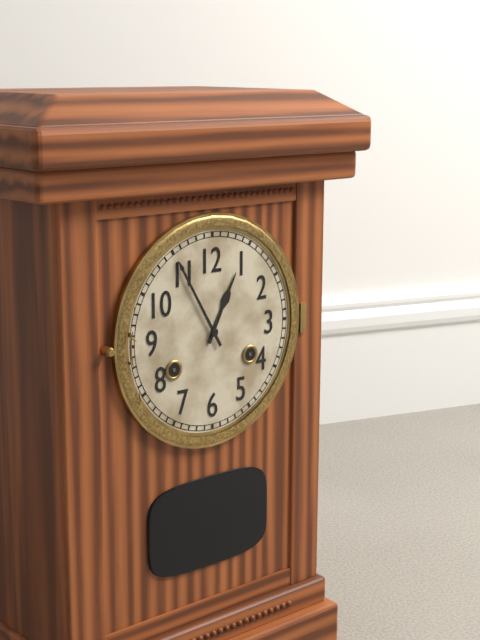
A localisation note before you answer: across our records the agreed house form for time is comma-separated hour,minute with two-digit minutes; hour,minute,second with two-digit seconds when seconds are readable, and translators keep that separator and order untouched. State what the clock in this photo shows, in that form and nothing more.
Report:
12,55
